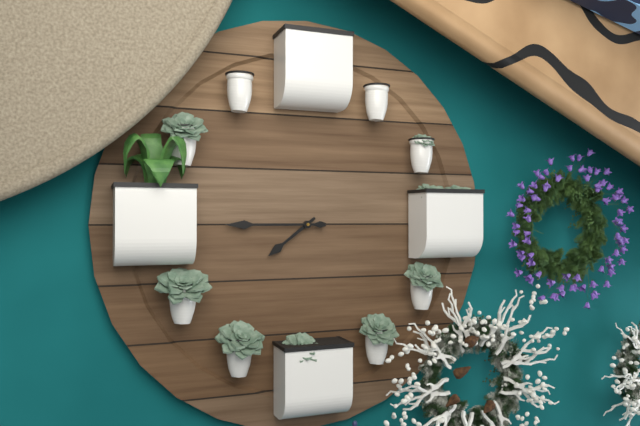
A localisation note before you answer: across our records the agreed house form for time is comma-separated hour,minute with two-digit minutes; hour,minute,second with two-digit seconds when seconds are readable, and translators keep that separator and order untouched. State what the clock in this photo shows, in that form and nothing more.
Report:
7,45
